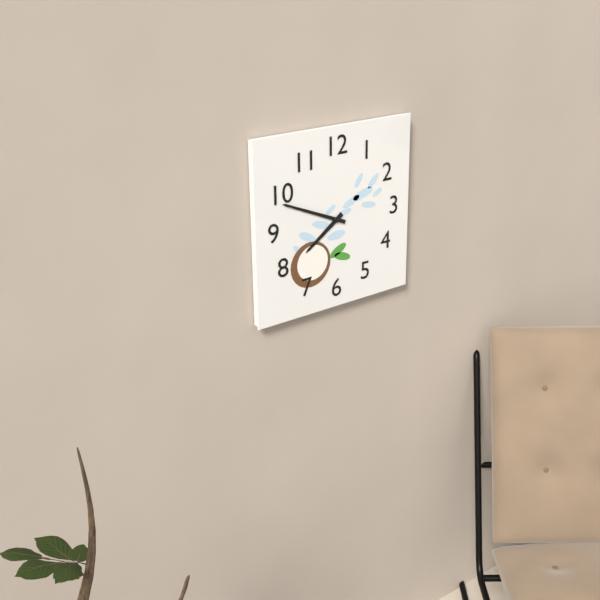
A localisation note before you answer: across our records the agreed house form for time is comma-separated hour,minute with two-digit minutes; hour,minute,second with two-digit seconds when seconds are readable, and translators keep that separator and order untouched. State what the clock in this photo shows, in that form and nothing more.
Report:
7,49
